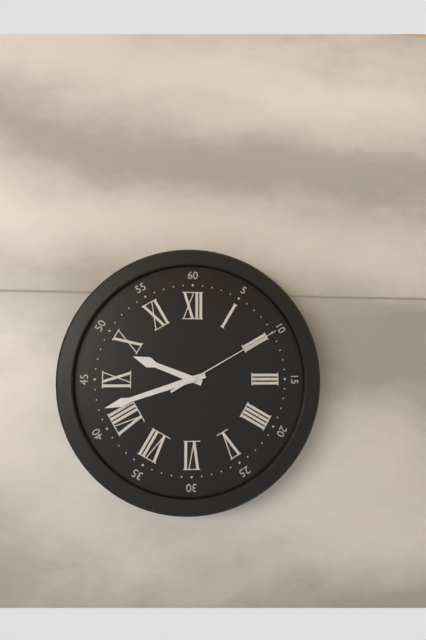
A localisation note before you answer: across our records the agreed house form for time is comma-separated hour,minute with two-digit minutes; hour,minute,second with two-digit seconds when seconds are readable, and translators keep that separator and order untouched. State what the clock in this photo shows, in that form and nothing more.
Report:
9,42,10
